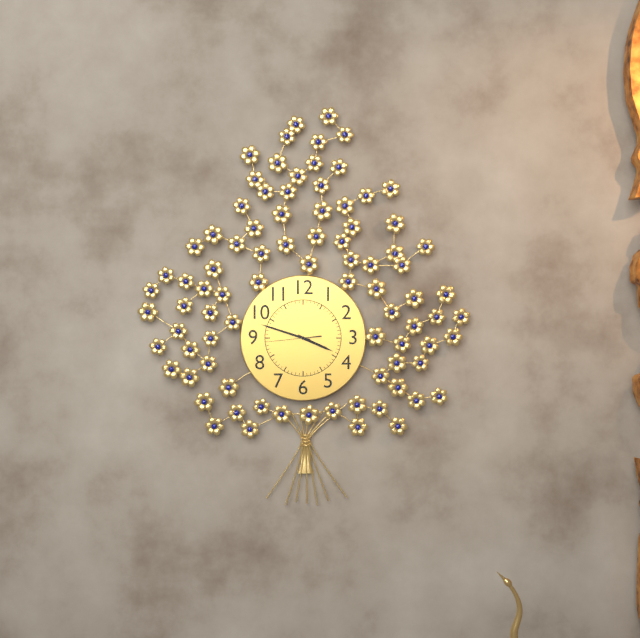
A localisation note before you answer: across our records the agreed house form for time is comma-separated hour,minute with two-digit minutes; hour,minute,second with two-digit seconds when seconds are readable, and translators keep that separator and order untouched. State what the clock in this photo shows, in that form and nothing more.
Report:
3,48
